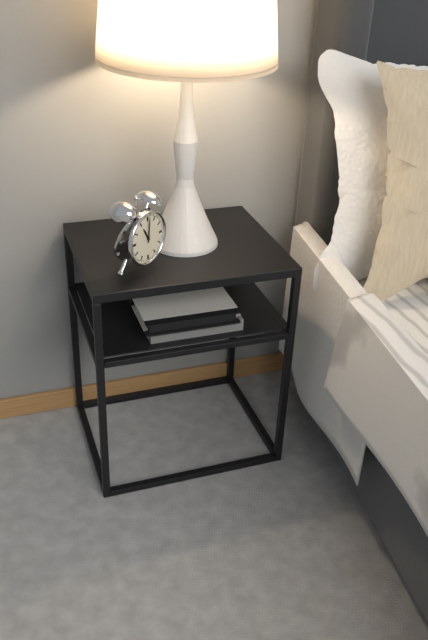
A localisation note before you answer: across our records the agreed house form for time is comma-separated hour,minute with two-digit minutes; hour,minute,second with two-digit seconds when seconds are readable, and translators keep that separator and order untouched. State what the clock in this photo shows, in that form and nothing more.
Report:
11,01
